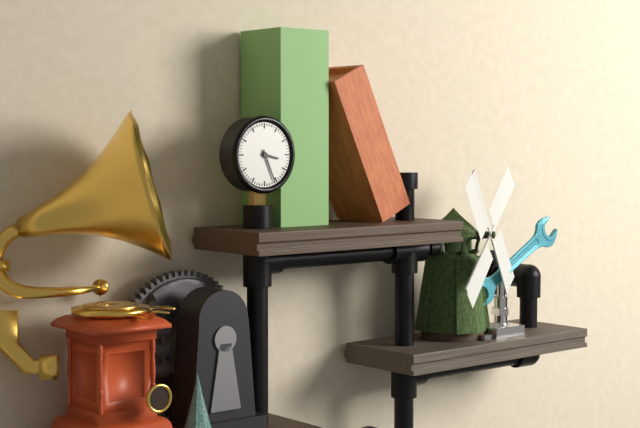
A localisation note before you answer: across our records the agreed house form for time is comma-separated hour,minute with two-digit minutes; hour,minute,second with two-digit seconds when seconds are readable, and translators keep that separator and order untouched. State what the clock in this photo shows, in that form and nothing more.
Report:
3,26
